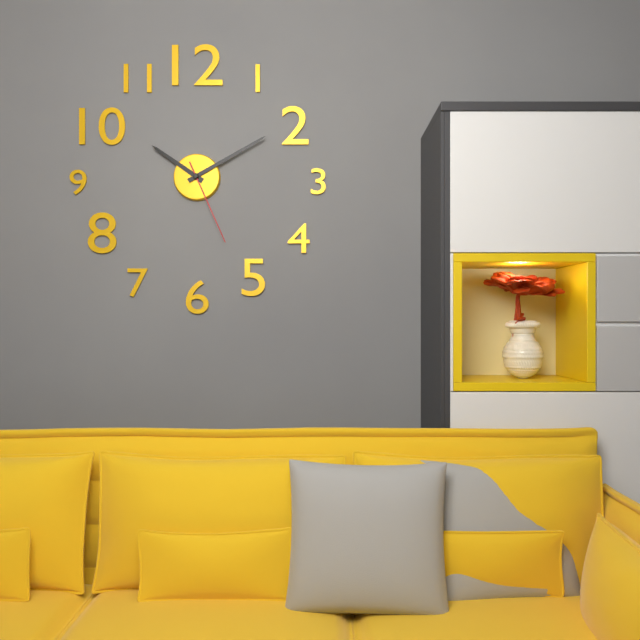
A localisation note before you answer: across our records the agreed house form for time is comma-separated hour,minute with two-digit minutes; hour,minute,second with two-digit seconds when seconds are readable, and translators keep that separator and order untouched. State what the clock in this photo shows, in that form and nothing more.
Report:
10,10,26
